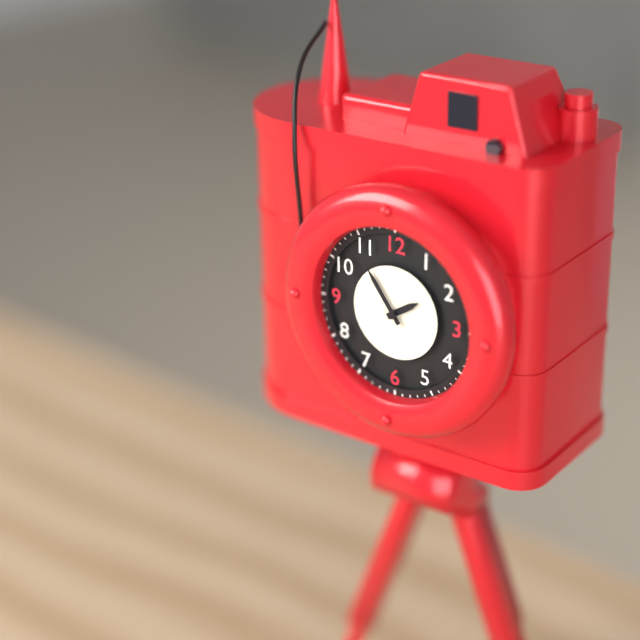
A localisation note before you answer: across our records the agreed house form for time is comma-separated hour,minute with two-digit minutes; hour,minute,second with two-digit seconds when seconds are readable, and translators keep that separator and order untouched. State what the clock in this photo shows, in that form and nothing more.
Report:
1,54
